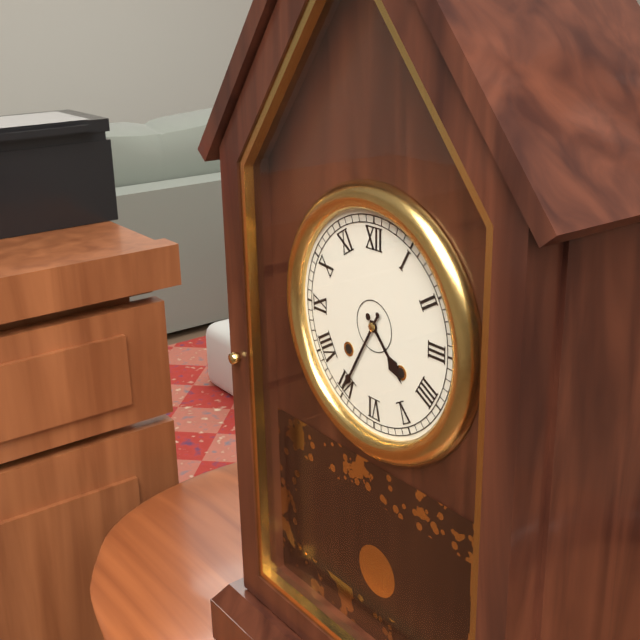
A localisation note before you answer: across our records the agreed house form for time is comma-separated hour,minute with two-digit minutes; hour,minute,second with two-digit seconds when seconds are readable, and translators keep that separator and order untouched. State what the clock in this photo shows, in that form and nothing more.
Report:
4,35
